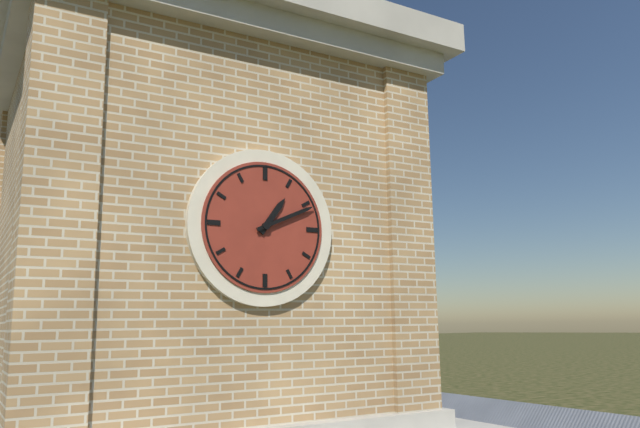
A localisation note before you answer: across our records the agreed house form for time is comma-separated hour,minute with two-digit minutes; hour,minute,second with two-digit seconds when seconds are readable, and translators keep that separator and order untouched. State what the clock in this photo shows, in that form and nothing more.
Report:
1,11
